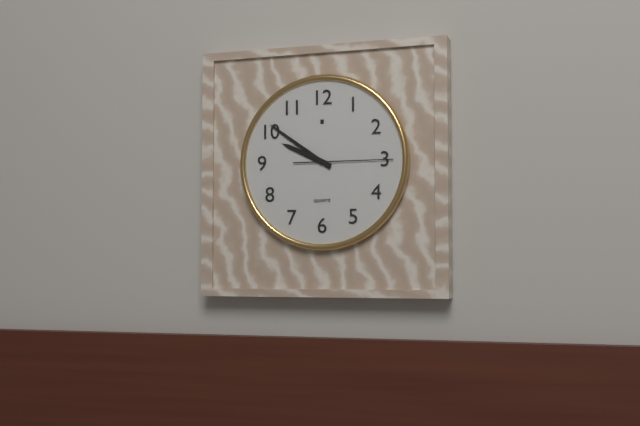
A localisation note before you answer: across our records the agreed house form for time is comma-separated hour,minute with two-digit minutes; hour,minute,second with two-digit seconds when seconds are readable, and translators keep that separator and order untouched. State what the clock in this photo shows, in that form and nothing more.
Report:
9,51,15
